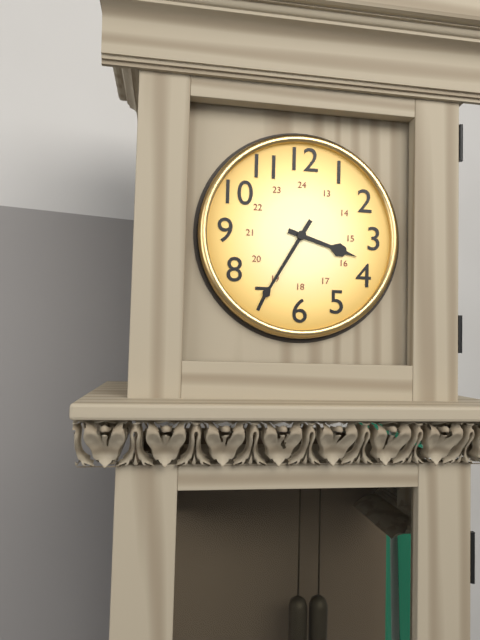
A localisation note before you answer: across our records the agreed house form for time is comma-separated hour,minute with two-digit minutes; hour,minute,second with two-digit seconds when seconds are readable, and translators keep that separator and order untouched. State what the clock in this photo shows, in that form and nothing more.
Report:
3,35
